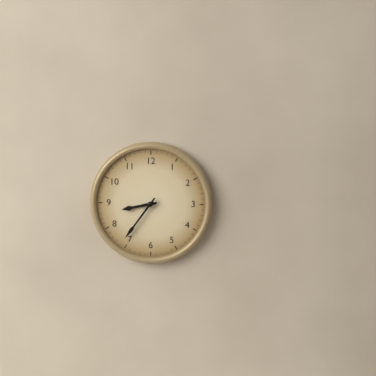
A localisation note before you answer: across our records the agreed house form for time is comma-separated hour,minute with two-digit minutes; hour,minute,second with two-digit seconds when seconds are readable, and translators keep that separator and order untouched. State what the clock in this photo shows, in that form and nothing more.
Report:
8,36
